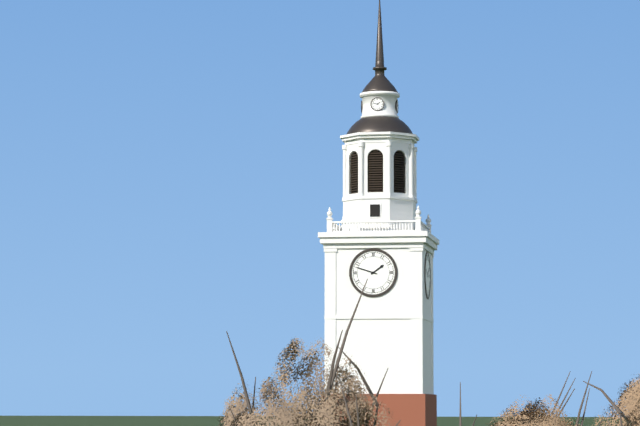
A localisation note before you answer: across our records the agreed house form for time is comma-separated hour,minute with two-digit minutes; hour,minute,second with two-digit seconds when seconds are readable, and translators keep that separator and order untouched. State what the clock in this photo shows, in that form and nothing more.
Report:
1,48
